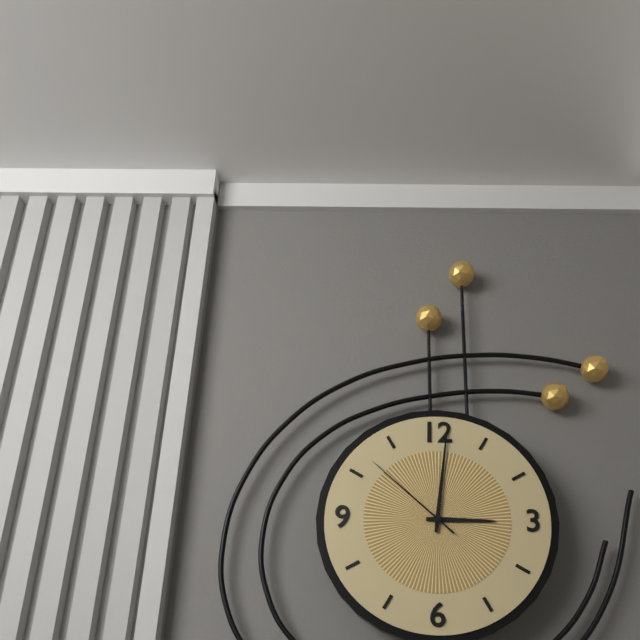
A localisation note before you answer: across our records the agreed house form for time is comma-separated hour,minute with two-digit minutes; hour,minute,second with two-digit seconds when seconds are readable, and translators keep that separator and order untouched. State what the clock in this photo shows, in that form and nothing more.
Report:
3,01,52
